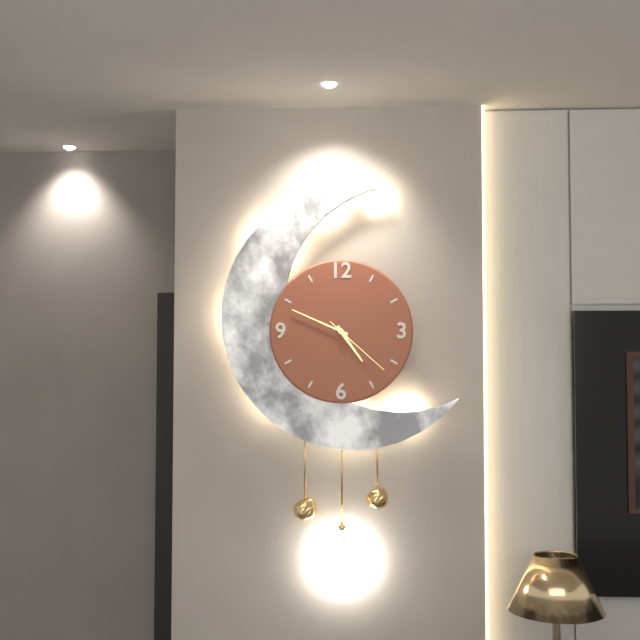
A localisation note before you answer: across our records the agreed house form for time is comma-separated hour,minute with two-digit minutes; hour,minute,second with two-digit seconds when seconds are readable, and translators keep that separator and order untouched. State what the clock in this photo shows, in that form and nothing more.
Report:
4,49,22
